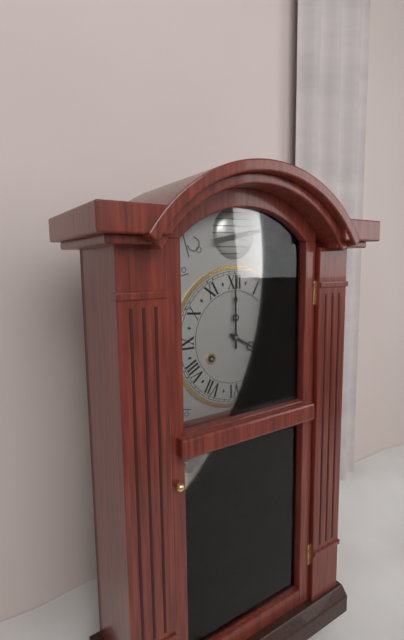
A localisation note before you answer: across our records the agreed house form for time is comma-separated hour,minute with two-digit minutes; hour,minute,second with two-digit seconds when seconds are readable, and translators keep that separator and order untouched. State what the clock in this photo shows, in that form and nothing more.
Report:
4,00
